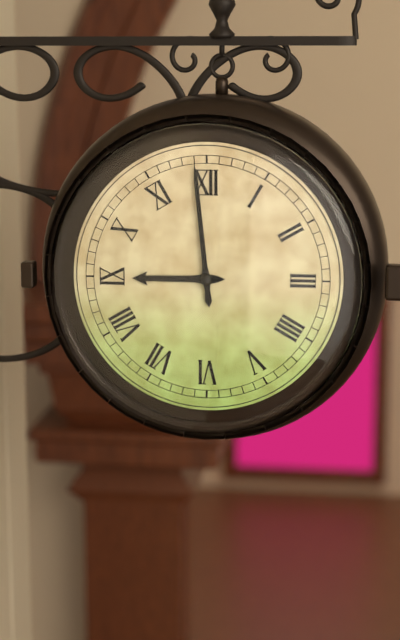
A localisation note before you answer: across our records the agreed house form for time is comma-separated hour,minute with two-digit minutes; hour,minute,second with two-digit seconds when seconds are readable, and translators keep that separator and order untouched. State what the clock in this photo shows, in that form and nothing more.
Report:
8,59
